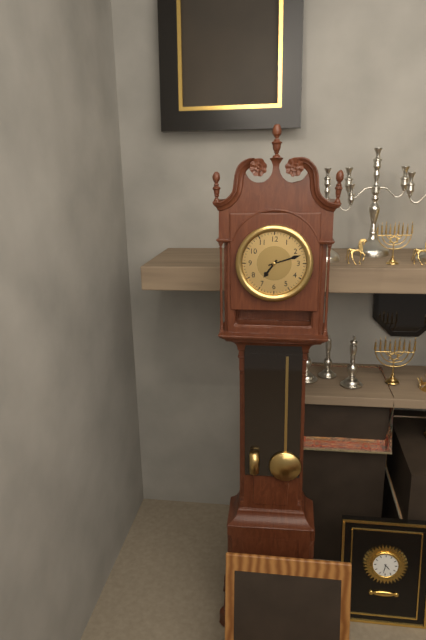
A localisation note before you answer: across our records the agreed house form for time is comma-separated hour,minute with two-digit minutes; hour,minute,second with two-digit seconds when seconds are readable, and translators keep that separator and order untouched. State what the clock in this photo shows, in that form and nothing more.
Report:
7,12
